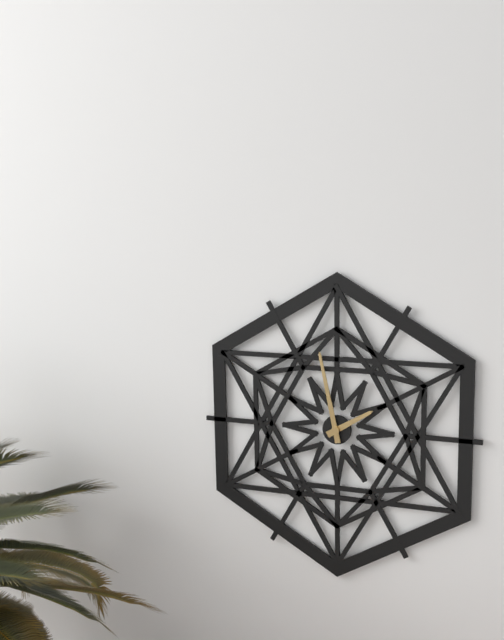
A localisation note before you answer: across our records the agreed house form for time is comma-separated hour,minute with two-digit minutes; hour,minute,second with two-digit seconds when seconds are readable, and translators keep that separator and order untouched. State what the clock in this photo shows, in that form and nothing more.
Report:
1,58
